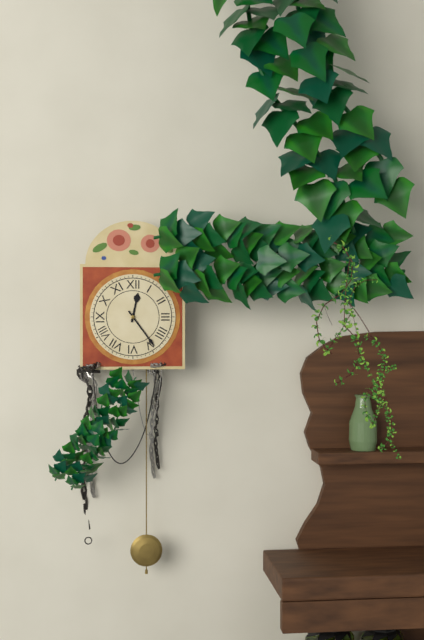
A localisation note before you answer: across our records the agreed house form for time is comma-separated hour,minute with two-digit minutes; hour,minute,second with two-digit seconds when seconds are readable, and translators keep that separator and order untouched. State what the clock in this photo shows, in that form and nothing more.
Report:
12,24
